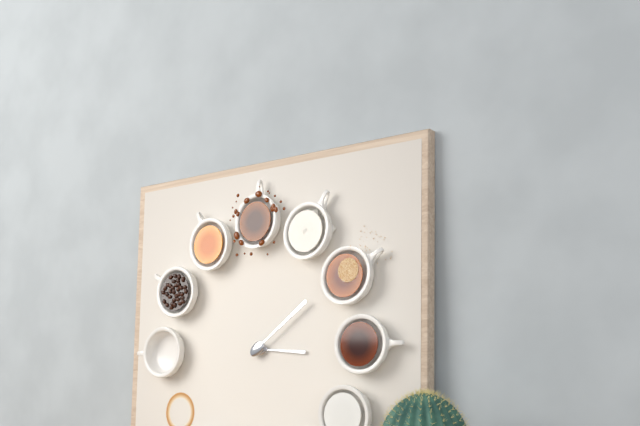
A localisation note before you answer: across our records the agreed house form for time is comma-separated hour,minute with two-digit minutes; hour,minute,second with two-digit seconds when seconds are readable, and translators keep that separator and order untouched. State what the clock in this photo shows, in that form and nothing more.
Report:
3,09
